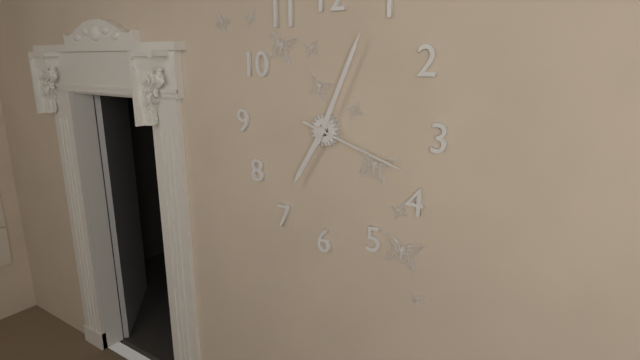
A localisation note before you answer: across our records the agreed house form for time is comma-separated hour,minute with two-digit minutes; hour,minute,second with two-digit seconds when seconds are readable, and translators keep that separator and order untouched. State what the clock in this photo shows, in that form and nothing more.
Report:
7,04,18
